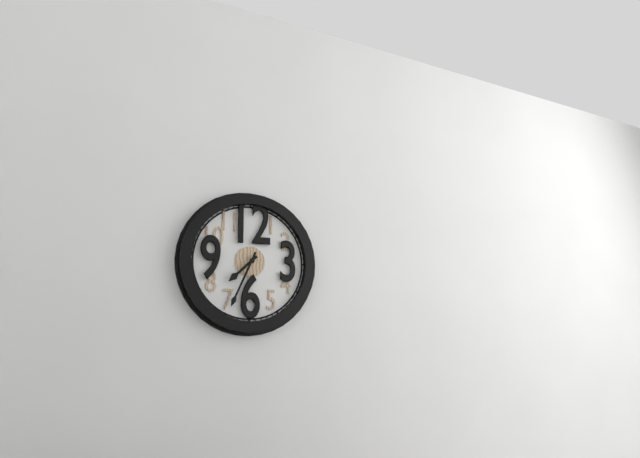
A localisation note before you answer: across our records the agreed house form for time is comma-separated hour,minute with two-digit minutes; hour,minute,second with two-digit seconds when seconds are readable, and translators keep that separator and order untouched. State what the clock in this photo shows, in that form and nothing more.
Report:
7,34
